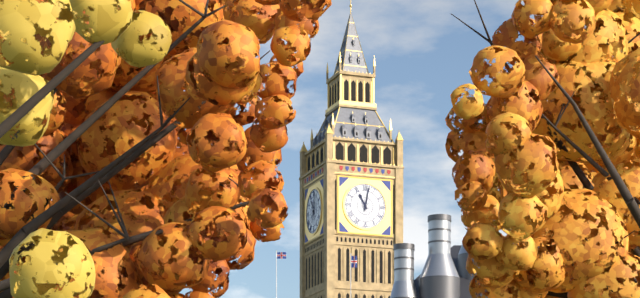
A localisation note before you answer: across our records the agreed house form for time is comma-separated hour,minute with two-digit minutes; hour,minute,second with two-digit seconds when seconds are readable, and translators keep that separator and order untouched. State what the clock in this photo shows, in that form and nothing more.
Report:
11,02
